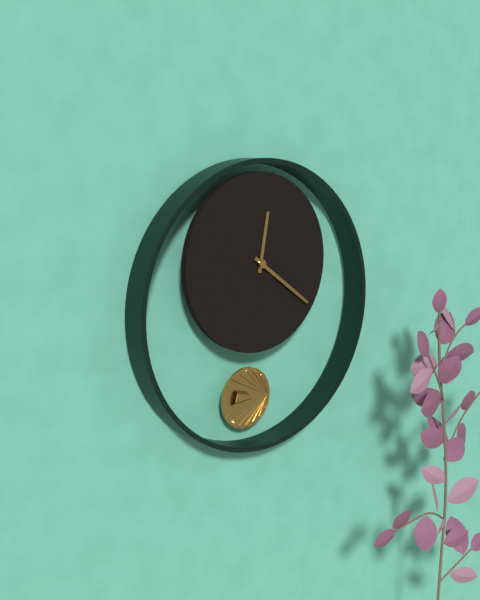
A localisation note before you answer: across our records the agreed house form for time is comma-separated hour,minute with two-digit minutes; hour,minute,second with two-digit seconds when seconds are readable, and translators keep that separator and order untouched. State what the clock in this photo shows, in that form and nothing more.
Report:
12,21
